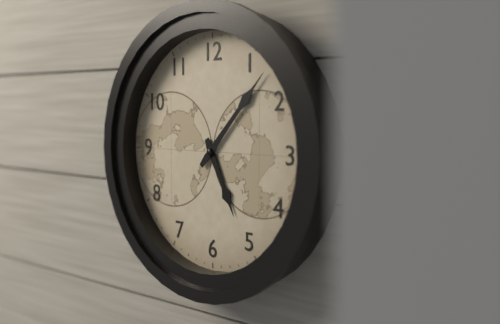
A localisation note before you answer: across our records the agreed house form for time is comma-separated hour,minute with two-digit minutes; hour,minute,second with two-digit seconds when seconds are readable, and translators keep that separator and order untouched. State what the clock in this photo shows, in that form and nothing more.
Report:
5,07
